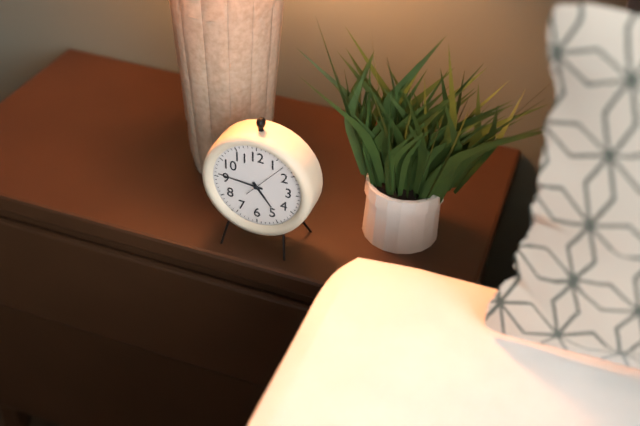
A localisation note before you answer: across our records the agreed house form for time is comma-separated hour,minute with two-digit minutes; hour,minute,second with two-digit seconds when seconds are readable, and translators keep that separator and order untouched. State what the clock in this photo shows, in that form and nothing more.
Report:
4,46
